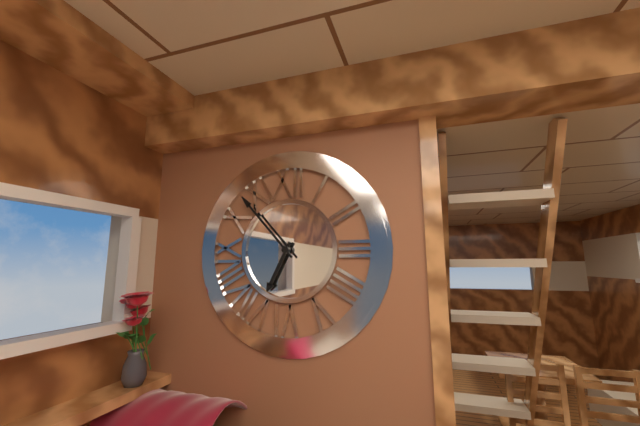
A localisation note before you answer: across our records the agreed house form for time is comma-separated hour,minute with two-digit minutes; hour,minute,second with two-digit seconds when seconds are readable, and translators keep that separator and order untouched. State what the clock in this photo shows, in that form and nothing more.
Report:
6,53
